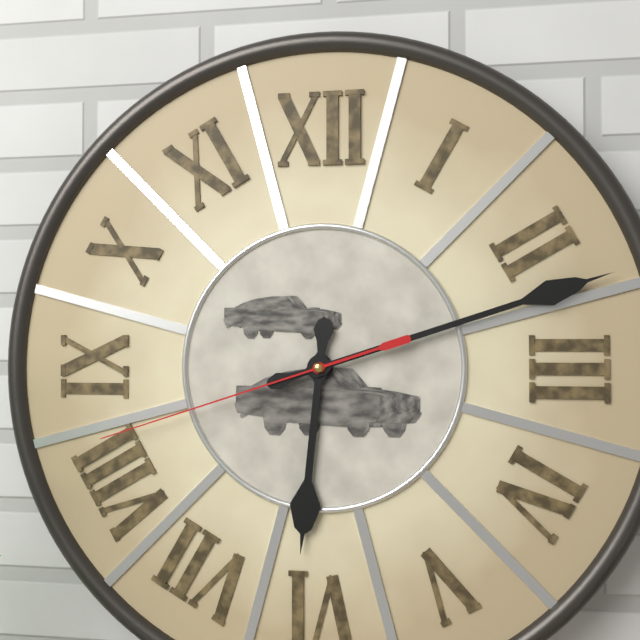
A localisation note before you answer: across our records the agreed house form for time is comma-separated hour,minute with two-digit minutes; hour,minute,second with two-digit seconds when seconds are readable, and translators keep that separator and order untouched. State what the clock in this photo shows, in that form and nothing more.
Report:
6,12,42
